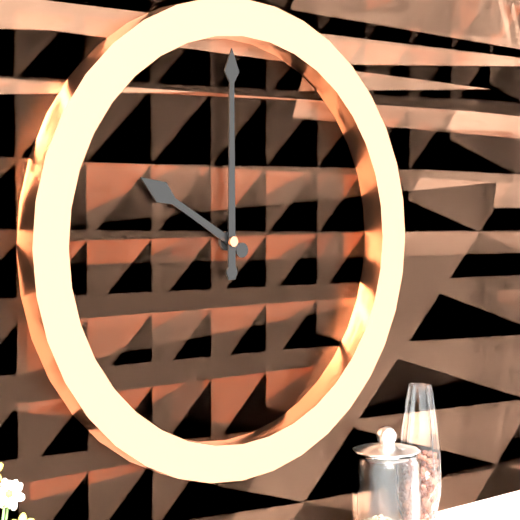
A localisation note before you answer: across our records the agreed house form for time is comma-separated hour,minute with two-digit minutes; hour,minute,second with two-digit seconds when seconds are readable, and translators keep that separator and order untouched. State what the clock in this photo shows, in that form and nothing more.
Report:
10,00
